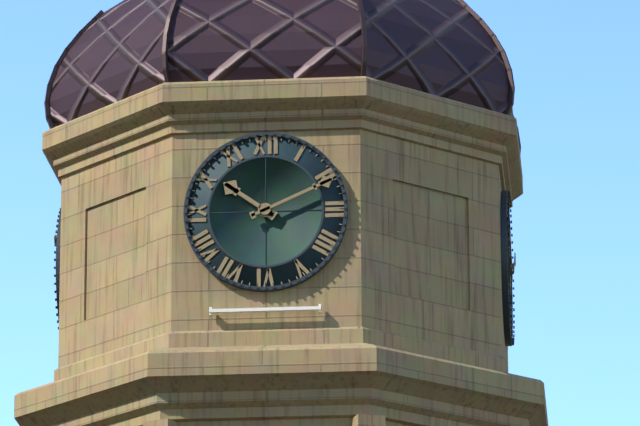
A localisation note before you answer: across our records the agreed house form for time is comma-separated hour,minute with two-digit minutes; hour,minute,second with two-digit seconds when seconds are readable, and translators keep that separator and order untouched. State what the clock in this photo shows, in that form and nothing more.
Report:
10,11
